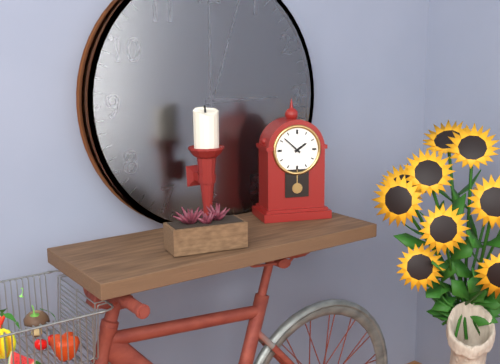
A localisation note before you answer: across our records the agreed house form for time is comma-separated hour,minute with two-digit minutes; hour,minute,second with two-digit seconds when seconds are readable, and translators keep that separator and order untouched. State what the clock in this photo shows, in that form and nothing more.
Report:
1,52
